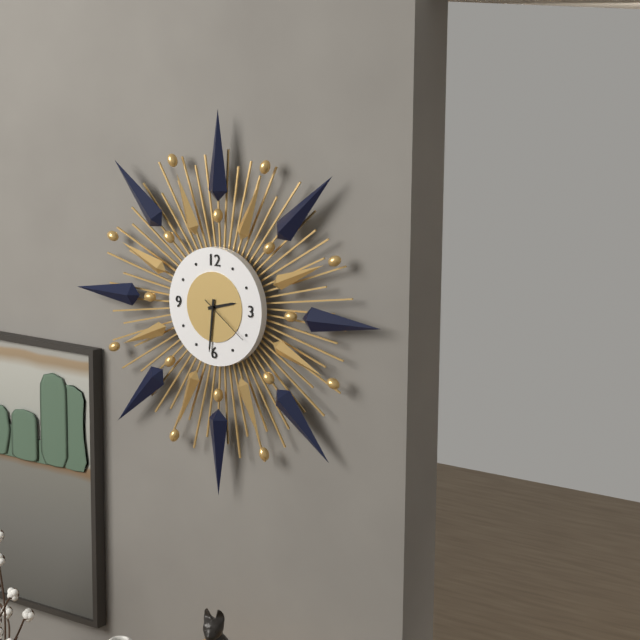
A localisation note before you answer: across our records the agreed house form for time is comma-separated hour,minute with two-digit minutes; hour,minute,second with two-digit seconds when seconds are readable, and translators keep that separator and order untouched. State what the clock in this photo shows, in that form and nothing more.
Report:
2,31
